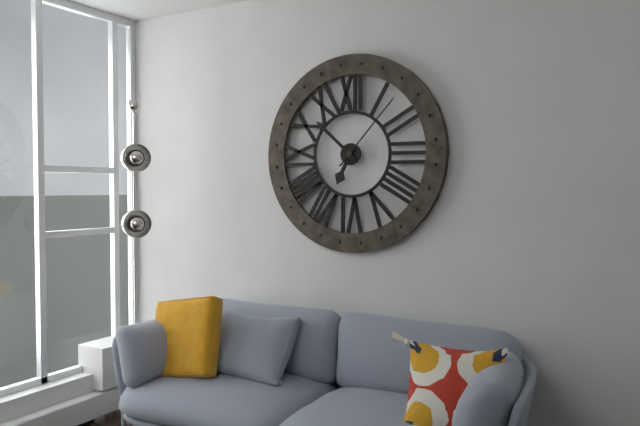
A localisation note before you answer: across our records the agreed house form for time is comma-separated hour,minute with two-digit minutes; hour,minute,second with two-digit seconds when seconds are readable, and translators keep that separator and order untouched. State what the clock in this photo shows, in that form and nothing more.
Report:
6,52,07
